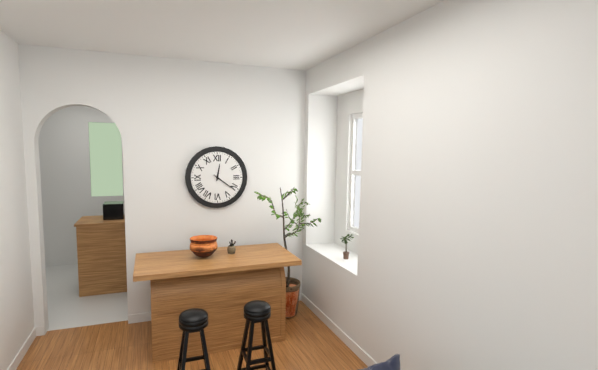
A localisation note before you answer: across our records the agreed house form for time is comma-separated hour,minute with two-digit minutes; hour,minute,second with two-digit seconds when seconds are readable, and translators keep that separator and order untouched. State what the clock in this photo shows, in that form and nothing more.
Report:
12,21
